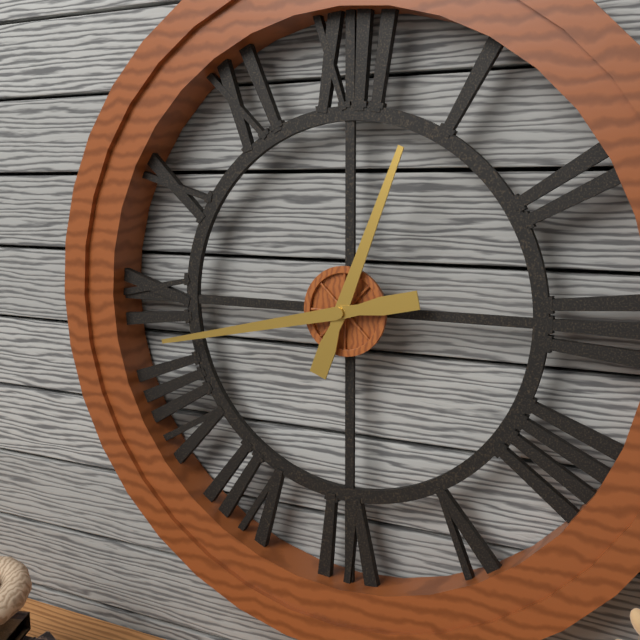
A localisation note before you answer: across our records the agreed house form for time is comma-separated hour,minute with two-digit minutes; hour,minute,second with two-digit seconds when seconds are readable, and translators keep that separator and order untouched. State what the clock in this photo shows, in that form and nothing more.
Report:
12,43
